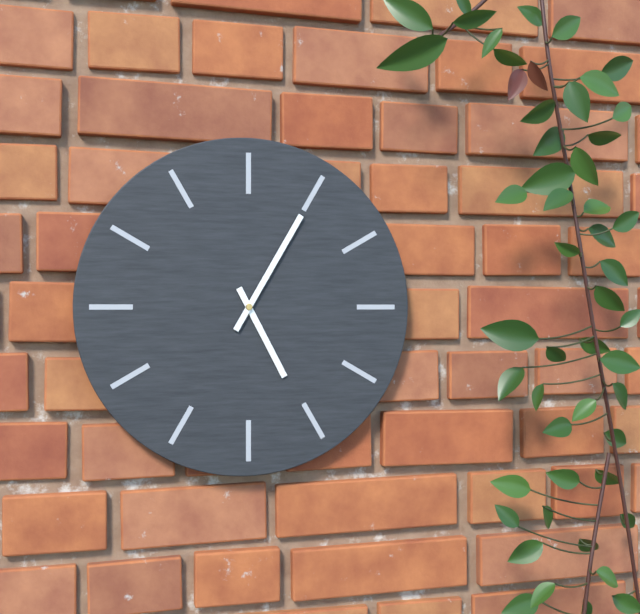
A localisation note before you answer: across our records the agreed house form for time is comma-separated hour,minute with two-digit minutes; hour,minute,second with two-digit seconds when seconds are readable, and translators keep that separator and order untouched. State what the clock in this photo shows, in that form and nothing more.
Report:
5,05
